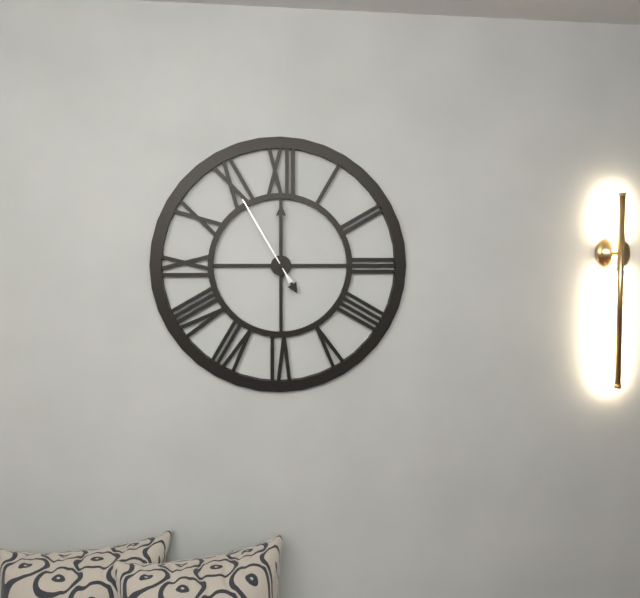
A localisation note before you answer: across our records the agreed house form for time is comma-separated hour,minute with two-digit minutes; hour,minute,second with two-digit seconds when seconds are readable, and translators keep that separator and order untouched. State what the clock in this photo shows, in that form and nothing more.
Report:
5,00,55
